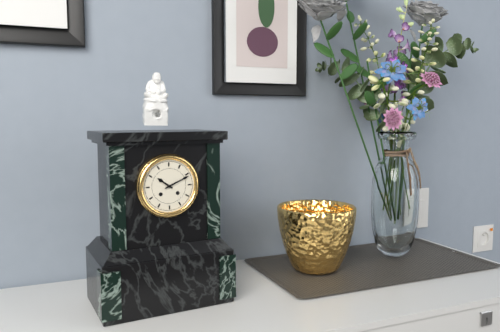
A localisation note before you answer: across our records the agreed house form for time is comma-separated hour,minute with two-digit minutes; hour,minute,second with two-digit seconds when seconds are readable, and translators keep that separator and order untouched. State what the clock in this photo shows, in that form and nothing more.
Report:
10,11
